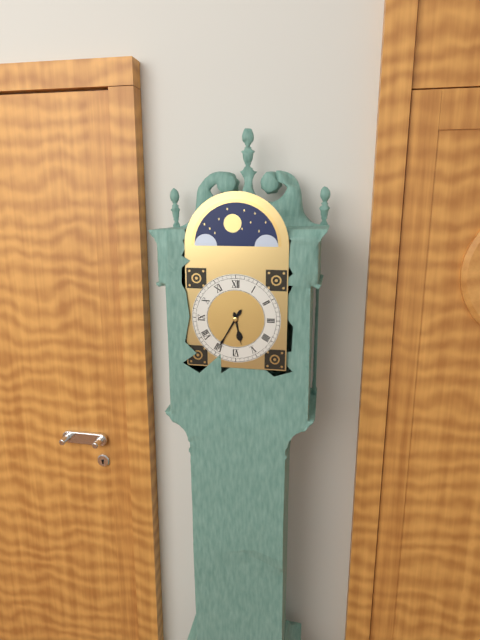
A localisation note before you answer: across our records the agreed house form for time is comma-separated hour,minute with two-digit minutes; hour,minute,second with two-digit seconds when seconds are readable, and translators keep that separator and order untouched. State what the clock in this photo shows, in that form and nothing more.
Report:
5,35
